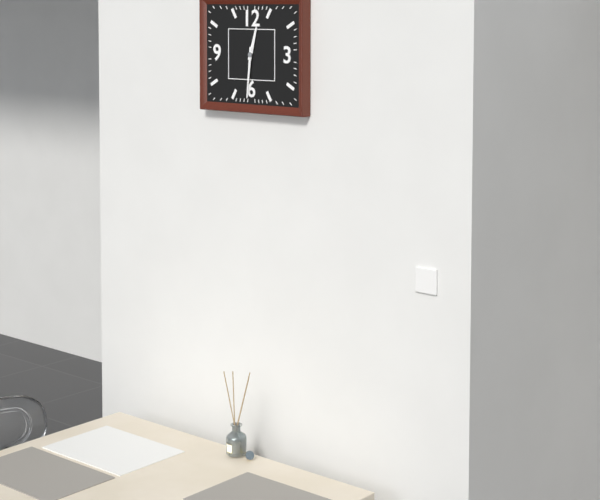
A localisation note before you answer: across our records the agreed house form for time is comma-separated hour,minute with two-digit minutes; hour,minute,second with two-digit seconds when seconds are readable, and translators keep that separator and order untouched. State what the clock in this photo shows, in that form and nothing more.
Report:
12,31
